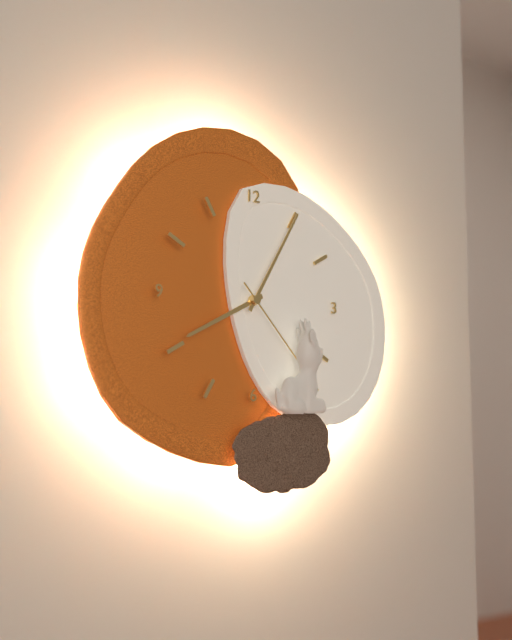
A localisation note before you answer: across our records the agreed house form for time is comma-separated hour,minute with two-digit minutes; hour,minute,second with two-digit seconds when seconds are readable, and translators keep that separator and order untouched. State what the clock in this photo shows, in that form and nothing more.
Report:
8,05,23
